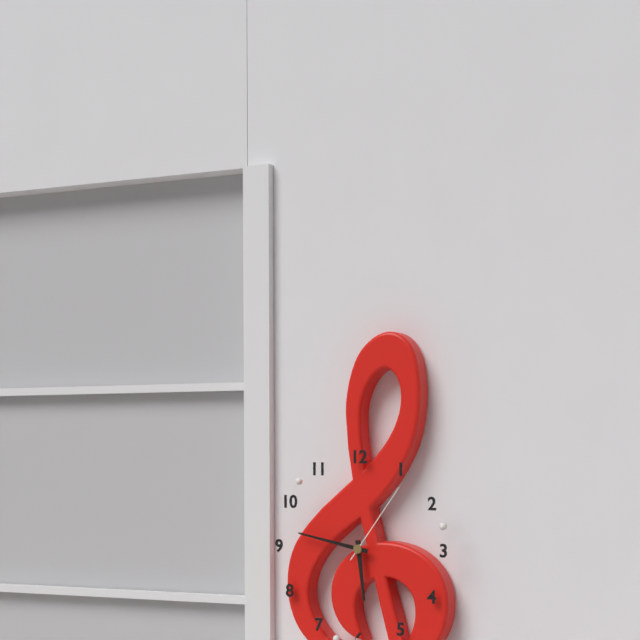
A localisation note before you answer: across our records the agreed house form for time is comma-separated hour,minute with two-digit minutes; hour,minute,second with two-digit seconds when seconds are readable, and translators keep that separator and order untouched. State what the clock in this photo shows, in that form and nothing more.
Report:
5,47,06
